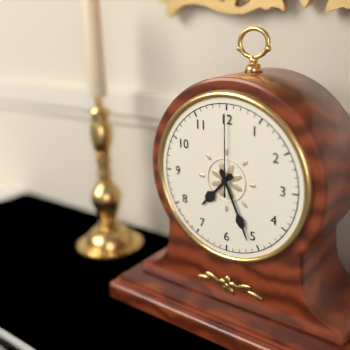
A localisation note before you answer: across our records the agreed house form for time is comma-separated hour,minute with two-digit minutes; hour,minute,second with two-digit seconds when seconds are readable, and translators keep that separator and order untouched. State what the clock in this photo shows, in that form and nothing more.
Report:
7,26,00
